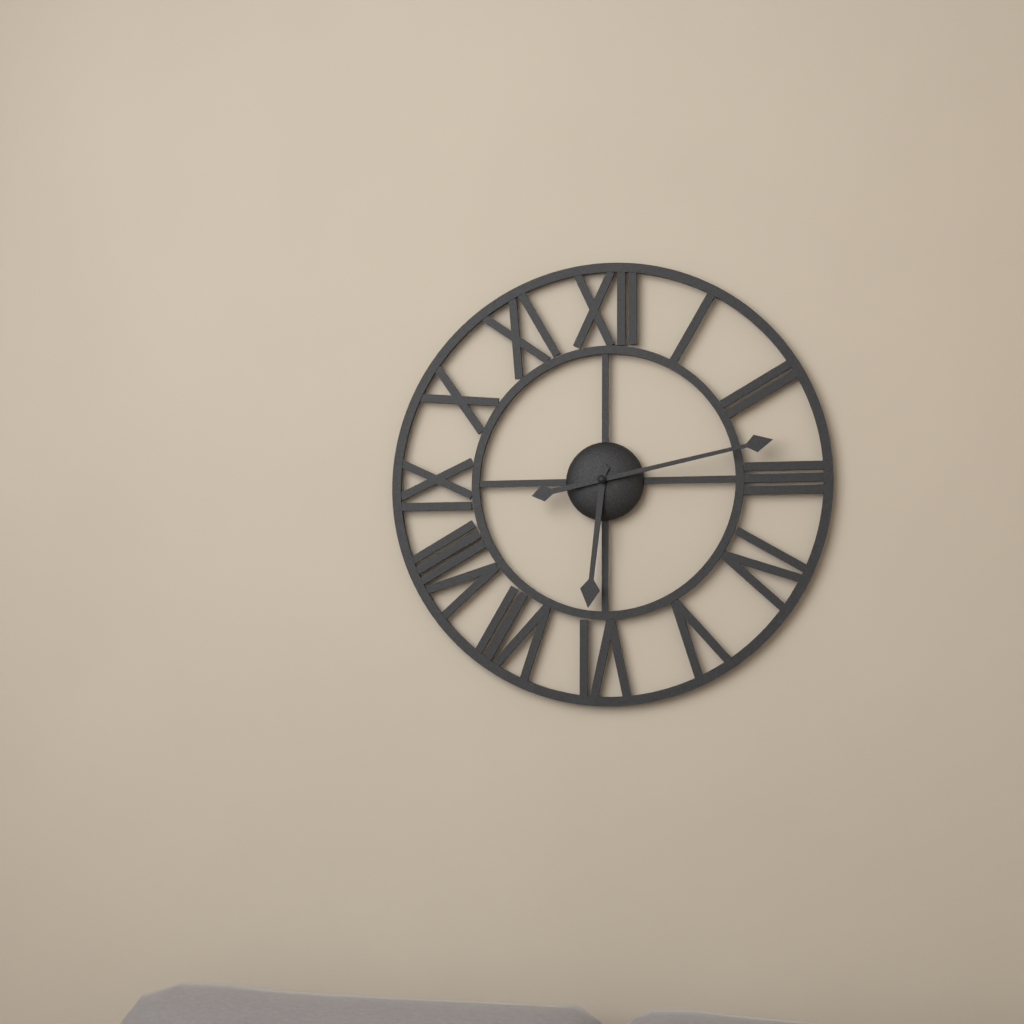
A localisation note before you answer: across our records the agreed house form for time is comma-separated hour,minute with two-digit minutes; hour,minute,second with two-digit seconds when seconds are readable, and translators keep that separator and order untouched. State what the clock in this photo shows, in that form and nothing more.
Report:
6,13
